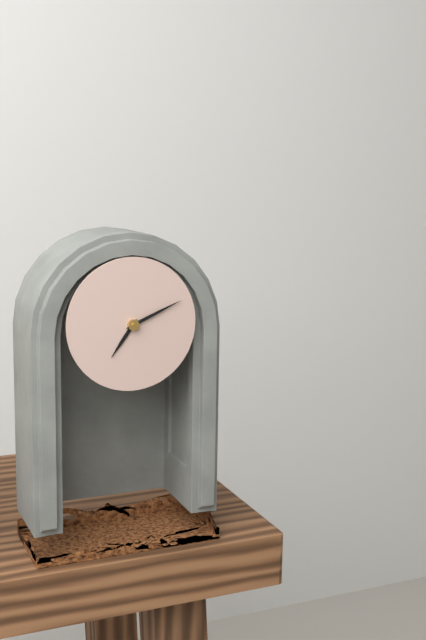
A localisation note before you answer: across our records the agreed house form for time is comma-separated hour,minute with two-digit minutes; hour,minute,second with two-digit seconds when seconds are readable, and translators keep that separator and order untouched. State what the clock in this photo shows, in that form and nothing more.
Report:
7,11
